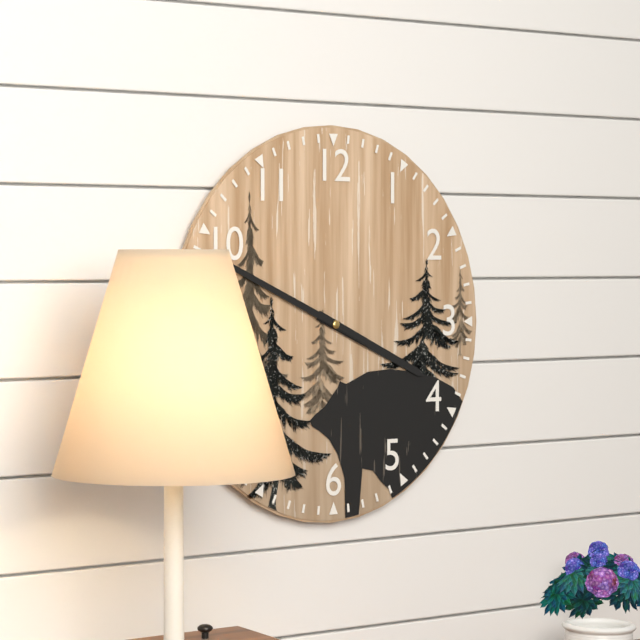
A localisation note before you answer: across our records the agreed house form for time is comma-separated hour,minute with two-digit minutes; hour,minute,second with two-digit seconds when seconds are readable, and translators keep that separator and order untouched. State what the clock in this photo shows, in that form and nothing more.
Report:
3,49
